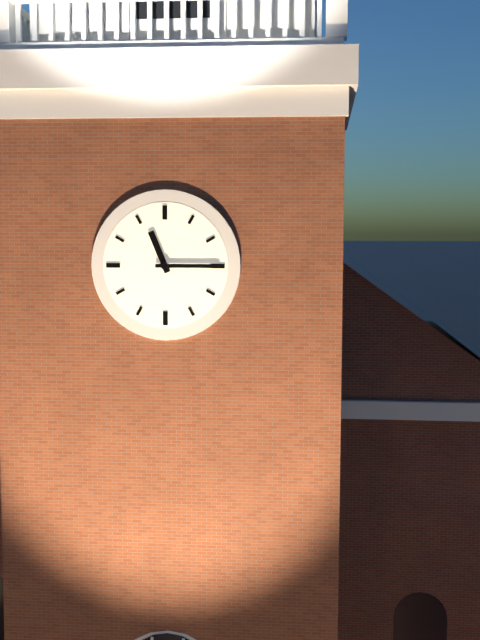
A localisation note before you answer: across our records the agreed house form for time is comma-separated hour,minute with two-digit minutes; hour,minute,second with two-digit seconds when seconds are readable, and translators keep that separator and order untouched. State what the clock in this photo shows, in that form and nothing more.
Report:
11,15
